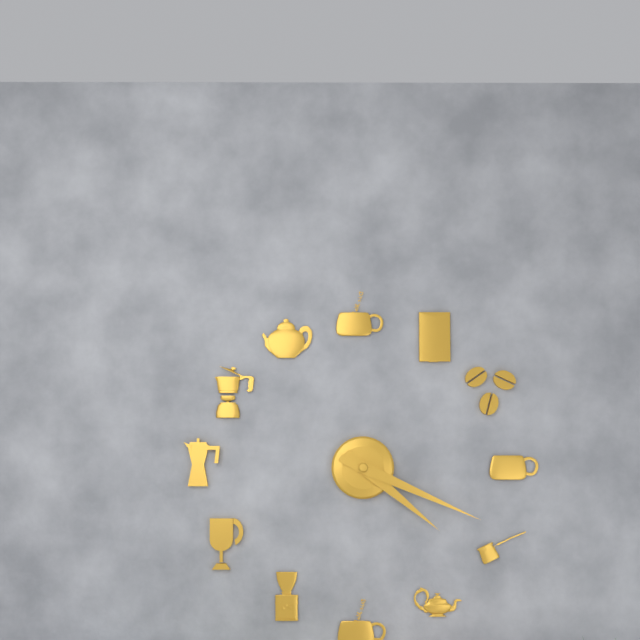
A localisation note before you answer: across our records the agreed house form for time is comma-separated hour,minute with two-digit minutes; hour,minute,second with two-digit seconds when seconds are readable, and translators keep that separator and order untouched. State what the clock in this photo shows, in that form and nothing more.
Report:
4,19
